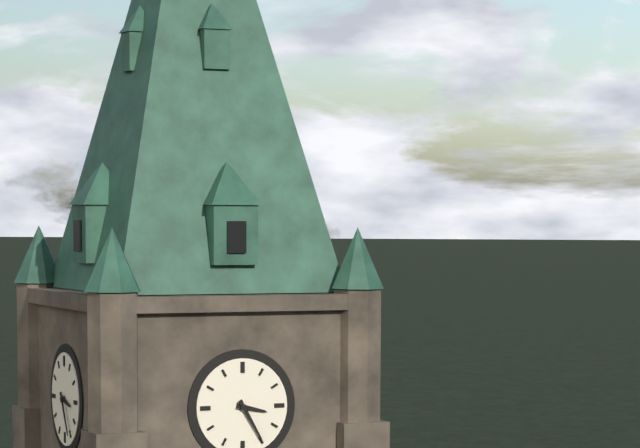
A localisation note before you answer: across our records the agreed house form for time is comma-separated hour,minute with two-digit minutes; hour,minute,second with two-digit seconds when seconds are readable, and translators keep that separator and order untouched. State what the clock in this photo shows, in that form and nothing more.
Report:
3,25
